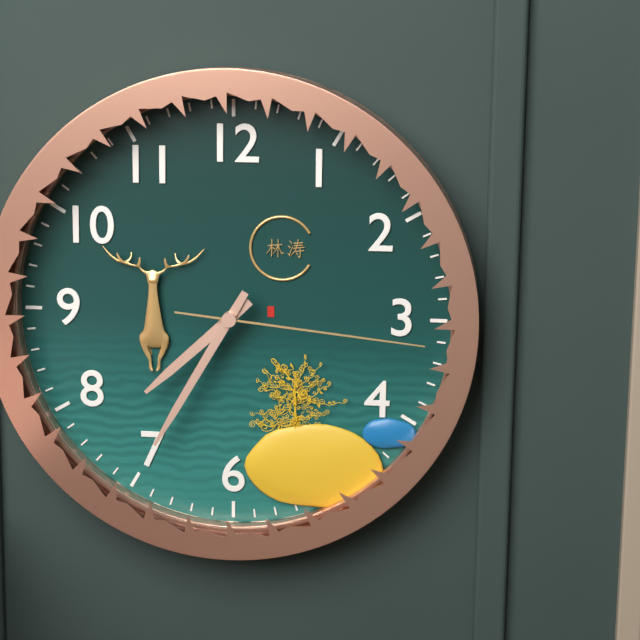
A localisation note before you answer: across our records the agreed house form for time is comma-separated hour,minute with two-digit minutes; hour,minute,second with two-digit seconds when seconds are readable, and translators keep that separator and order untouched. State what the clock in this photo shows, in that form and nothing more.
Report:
7,35,16
